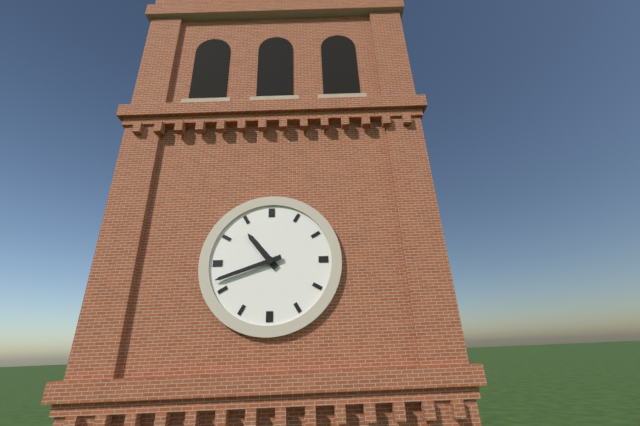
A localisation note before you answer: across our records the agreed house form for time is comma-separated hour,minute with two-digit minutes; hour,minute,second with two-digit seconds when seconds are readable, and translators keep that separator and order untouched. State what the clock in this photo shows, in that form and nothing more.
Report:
10,42
